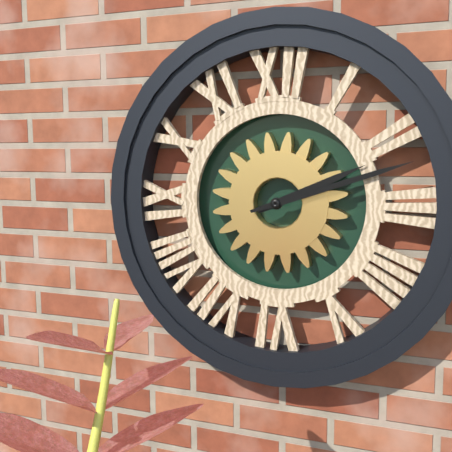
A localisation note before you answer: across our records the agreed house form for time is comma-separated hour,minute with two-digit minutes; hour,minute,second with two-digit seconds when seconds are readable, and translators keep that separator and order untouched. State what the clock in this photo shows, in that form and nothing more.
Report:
2,12
